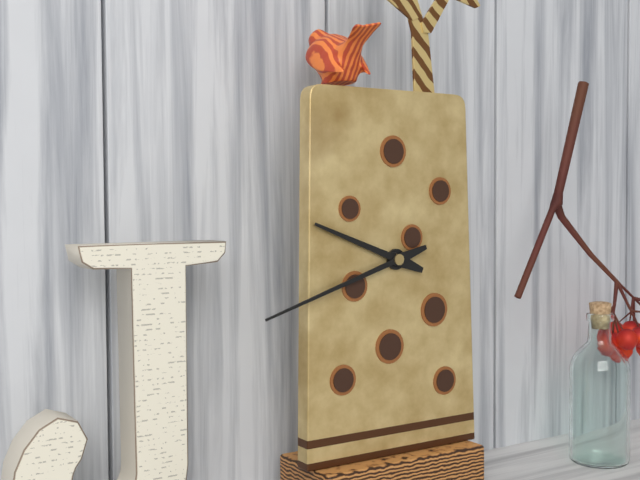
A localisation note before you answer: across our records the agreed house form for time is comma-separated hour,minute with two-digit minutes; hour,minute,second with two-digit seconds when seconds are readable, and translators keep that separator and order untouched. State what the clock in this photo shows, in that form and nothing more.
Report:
9,42
